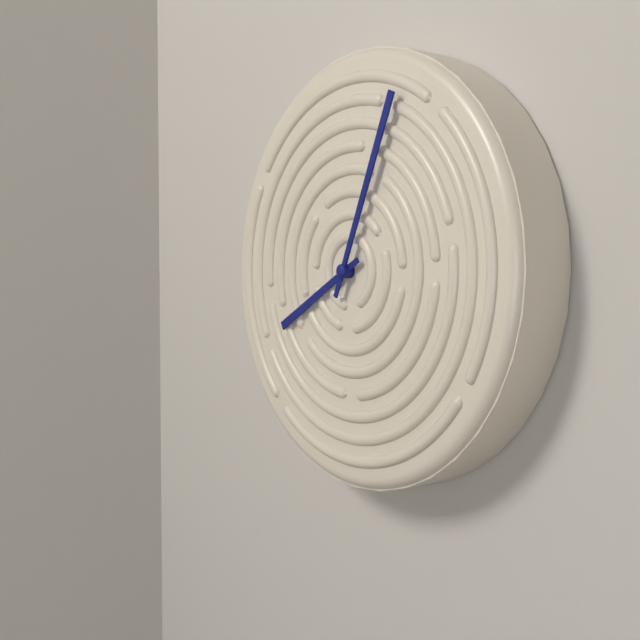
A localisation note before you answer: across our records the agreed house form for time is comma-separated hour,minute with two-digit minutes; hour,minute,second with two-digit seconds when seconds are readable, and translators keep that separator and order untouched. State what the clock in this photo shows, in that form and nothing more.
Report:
8,04
